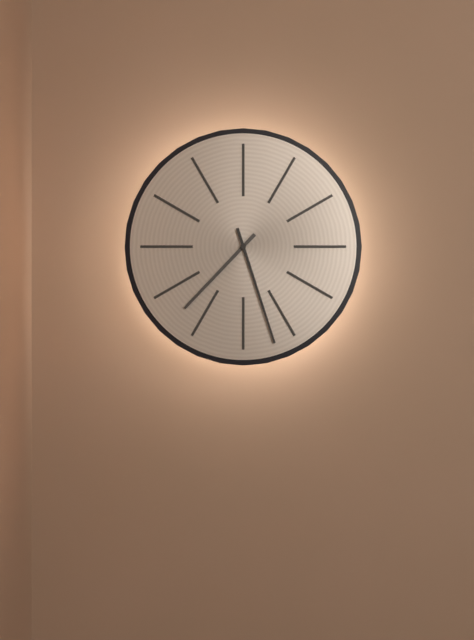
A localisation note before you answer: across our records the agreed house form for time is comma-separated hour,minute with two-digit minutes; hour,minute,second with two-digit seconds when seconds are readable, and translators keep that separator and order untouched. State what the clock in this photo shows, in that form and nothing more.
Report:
7,27
